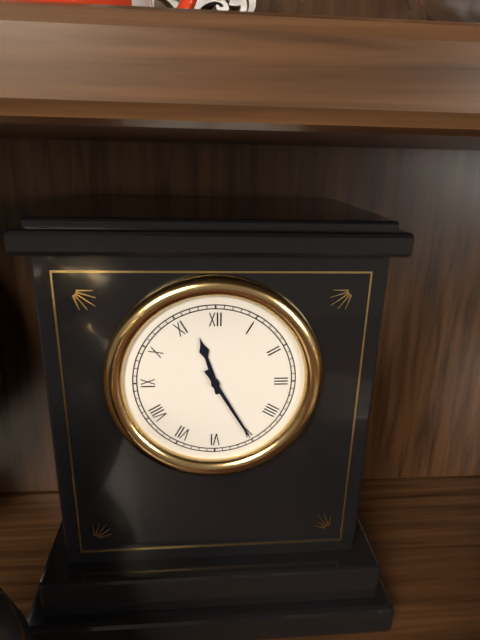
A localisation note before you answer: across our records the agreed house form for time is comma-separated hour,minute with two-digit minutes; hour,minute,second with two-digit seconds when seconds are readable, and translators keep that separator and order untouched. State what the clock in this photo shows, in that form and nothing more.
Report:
11,25
